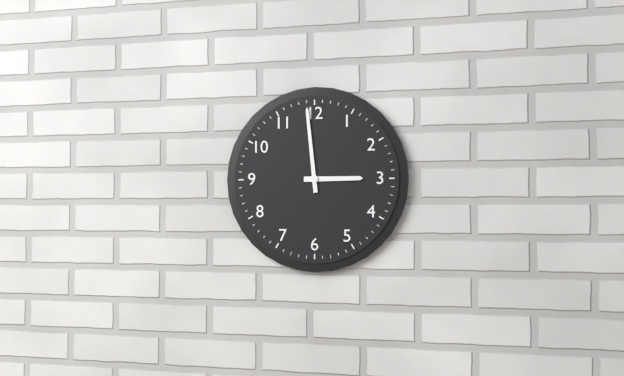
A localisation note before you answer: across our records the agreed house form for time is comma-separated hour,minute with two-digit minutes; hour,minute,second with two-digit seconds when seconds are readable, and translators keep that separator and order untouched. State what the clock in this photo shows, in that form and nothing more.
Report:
2,59
